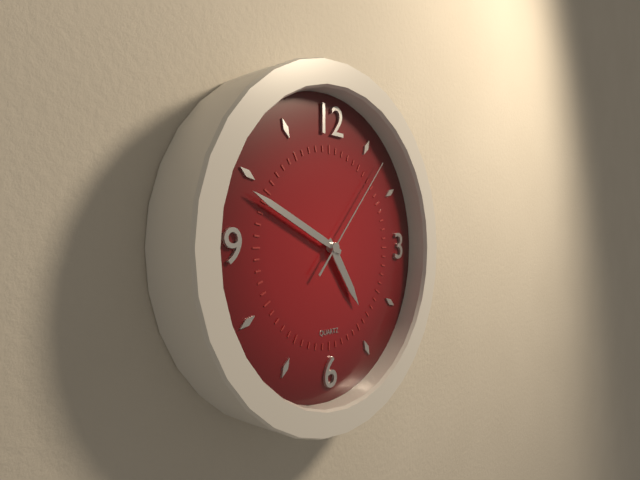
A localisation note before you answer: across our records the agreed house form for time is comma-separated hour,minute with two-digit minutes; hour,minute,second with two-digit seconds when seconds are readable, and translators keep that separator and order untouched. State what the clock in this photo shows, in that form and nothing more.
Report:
4,49,07
